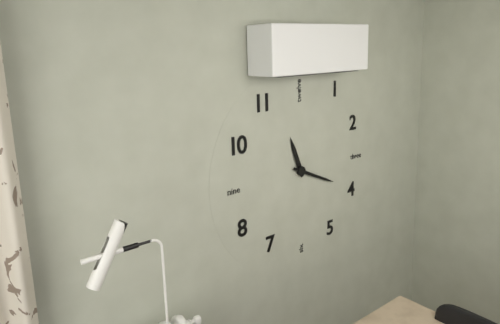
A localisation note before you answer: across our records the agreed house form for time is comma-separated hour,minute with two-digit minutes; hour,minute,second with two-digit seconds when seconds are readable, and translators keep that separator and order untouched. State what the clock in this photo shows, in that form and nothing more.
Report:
11,19
